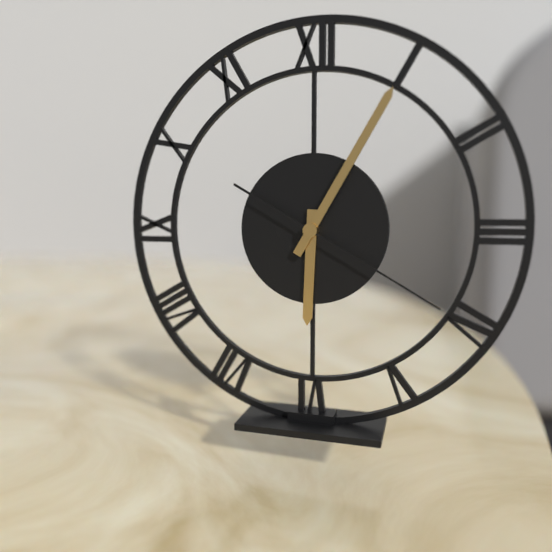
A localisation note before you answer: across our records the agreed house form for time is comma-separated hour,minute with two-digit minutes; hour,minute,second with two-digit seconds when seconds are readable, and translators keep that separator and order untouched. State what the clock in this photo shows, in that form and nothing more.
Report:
6,05,20
